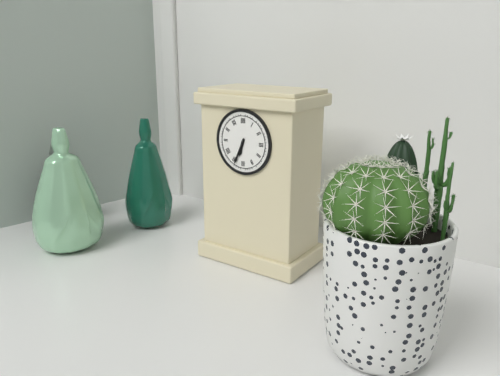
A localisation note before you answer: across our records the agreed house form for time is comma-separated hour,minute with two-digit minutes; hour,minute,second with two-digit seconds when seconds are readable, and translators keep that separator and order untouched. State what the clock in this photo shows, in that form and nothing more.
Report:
6,34
